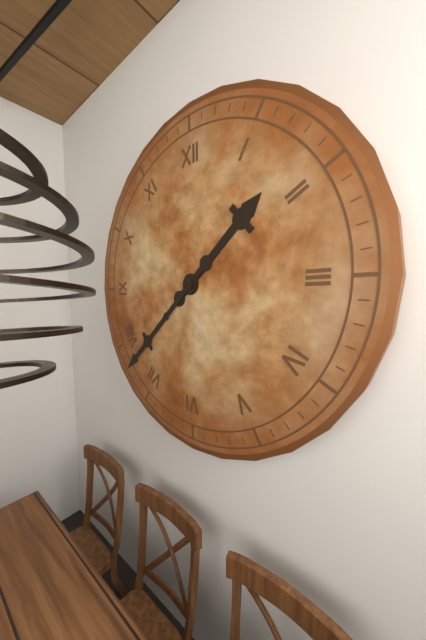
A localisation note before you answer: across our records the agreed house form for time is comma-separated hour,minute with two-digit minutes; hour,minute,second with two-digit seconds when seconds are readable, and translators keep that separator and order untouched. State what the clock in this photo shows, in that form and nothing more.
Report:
1,38
